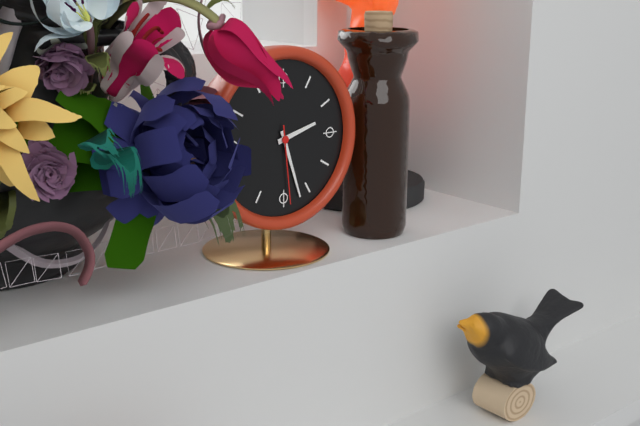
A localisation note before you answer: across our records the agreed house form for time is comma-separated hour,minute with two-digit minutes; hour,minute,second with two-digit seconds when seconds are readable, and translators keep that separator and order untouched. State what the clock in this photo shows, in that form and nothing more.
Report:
2,27,29
